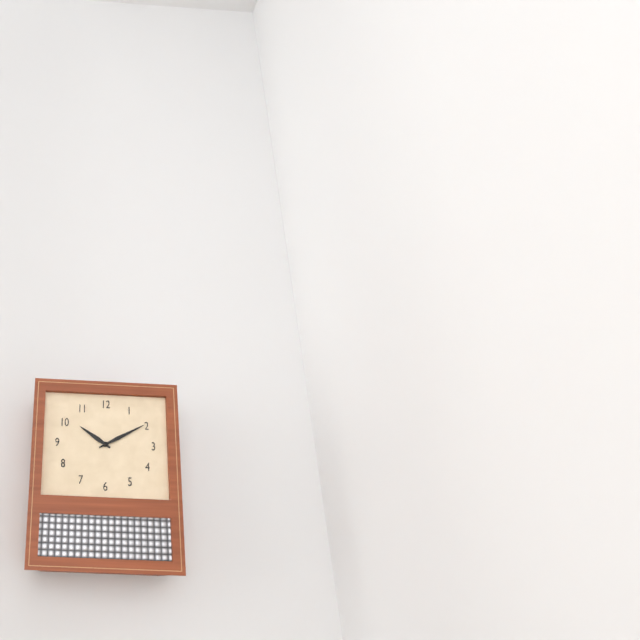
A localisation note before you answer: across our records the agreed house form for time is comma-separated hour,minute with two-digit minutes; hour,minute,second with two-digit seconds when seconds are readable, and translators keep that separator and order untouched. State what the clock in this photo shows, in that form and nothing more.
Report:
10,10
